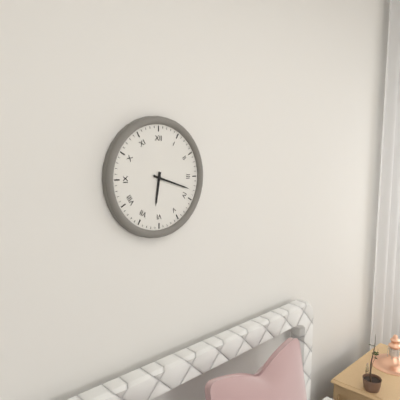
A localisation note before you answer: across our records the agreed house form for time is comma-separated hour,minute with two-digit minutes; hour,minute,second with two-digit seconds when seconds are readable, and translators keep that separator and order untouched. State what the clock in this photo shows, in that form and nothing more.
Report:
6,18
